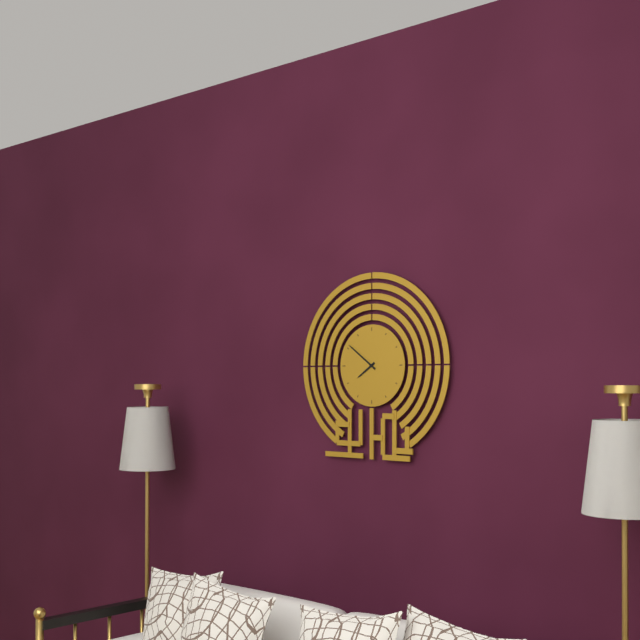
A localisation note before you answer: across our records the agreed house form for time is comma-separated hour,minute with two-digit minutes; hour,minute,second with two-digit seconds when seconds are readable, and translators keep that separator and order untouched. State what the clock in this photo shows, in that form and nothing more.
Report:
7,51
